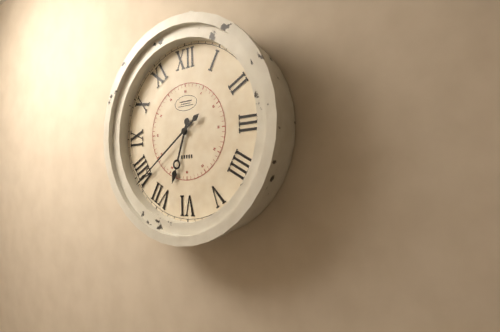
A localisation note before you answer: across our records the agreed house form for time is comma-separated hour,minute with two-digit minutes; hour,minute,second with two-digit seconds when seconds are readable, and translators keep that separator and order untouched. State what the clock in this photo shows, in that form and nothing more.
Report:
6,39
